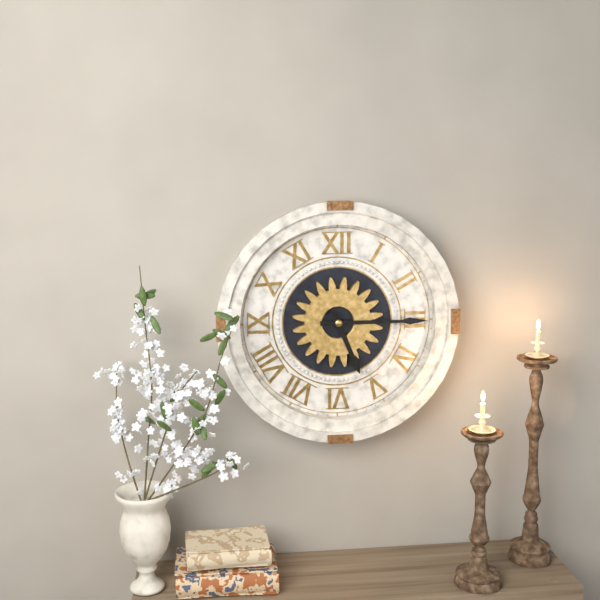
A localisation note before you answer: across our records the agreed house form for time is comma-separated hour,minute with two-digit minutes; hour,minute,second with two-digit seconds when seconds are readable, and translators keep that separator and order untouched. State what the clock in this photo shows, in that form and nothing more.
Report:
5,15
